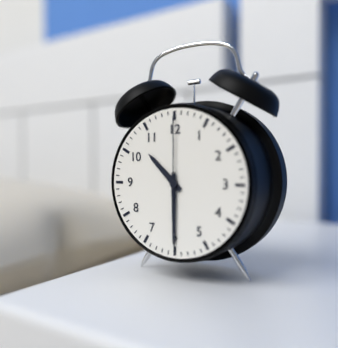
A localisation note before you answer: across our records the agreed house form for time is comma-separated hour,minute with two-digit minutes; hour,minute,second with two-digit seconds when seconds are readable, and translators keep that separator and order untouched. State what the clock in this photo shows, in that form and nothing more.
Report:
10,30,00
